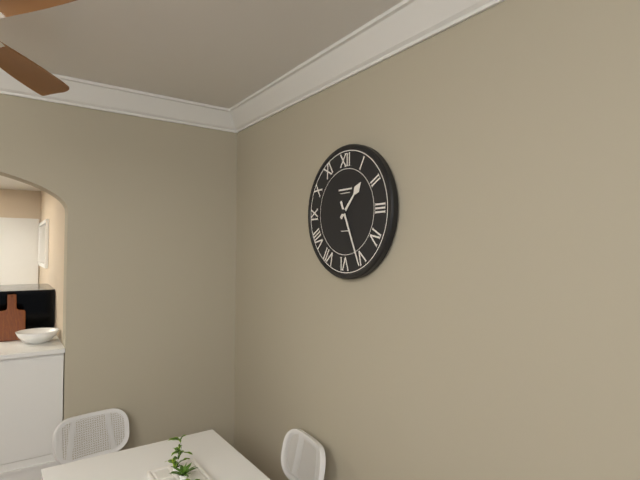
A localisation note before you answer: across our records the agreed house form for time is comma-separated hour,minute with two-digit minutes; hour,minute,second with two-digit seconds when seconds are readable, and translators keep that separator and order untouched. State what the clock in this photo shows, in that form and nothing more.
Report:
1,26
